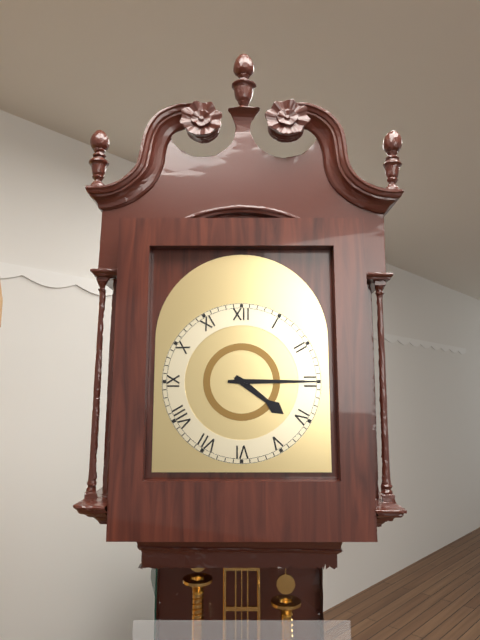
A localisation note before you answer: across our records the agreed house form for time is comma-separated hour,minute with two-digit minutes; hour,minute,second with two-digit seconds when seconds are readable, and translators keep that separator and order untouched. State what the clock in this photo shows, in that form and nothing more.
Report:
4,15
